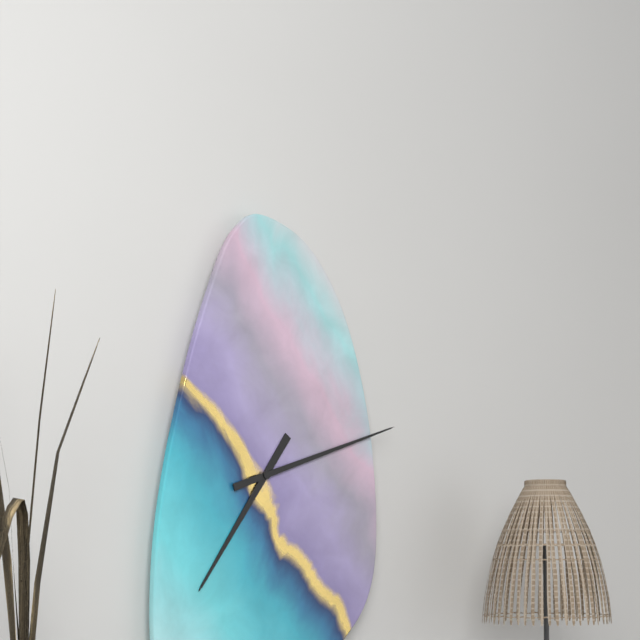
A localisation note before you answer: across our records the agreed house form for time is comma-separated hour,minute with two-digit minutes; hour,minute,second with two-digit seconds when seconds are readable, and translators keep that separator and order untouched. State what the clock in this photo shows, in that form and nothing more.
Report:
7,12
